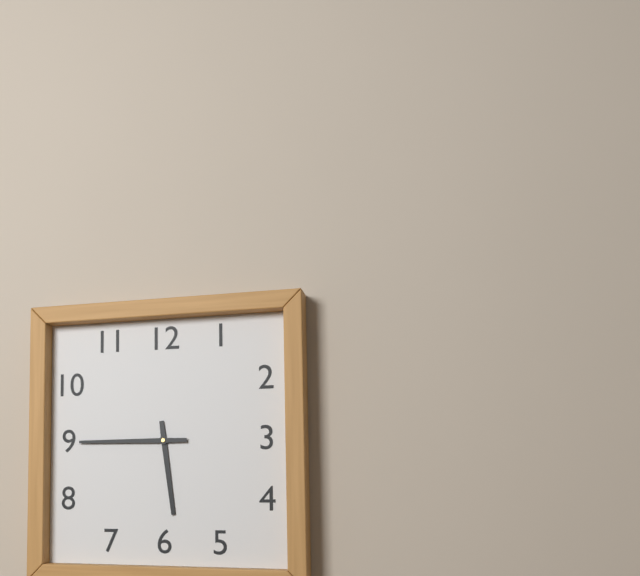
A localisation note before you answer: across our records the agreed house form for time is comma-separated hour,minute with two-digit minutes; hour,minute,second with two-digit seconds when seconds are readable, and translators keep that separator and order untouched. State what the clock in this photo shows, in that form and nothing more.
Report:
5,45
